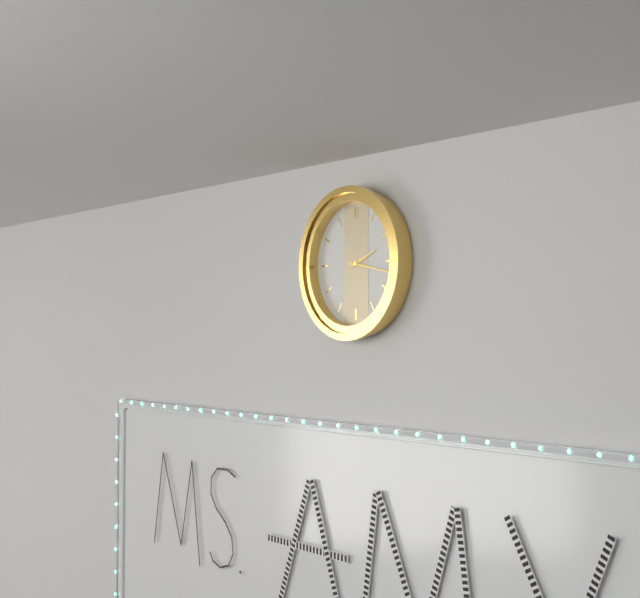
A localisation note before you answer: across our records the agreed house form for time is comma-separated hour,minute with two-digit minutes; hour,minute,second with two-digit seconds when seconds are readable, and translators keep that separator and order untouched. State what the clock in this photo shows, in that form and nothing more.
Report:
2,17
